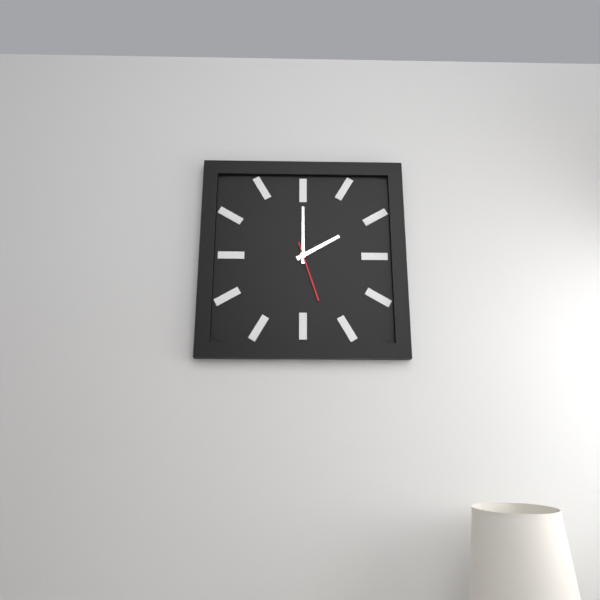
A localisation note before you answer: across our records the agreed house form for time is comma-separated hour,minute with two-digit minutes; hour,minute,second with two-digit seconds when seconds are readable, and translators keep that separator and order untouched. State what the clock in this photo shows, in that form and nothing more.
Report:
2,00,27
